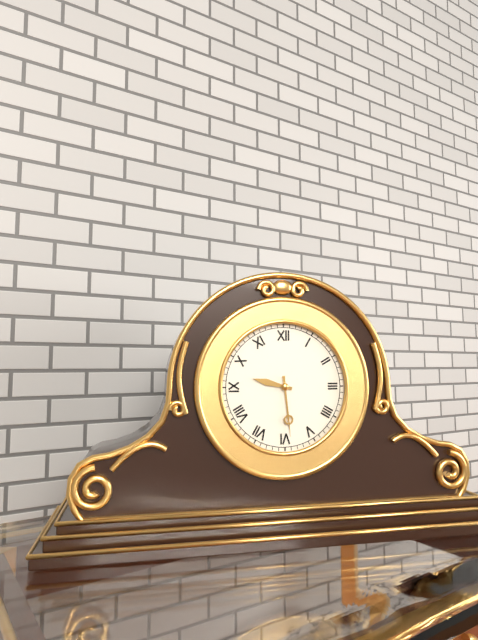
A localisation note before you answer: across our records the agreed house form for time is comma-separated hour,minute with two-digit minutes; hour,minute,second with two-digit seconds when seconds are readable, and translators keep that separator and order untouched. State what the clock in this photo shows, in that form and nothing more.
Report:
9,29
